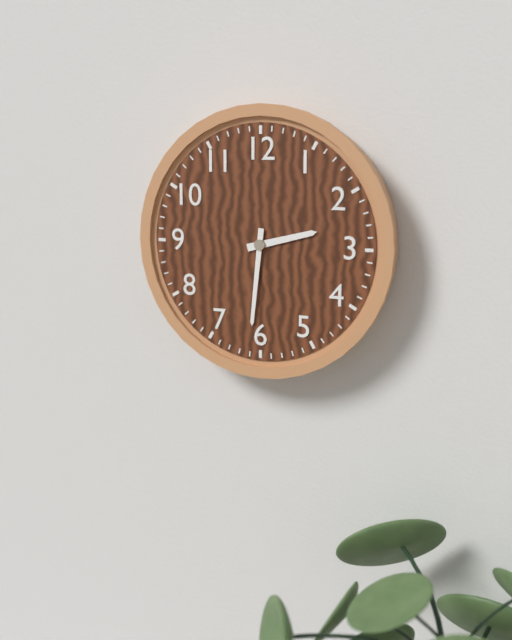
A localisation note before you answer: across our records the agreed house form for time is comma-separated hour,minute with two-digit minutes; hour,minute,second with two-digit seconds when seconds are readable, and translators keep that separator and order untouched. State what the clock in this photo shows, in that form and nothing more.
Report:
2,31
